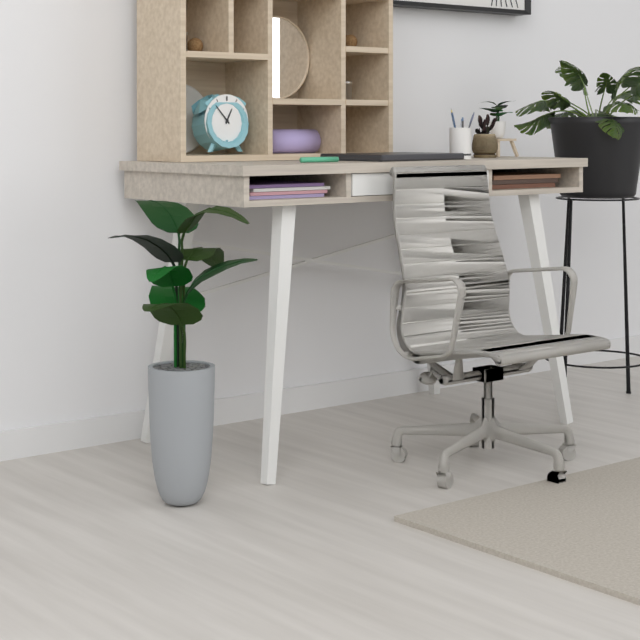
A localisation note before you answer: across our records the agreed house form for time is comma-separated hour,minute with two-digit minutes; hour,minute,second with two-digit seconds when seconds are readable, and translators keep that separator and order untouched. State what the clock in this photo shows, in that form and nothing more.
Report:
12,53
